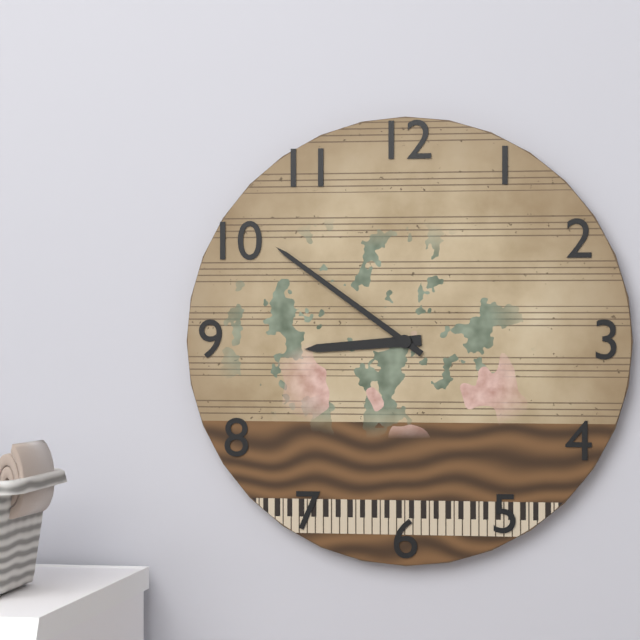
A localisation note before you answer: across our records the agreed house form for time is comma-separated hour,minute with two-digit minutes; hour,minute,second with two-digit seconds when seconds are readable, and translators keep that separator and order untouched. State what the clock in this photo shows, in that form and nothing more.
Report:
8,51
